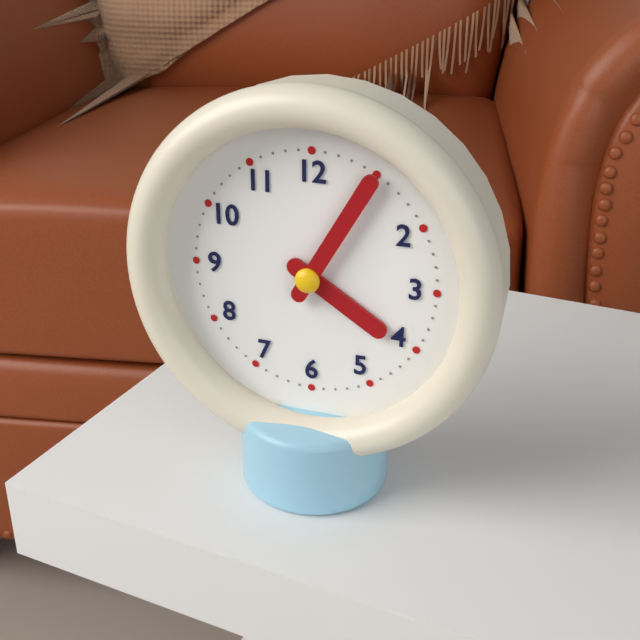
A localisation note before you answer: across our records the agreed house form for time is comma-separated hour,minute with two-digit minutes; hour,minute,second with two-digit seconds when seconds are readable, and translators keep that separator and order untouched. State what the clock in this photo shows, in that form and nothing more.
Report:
4,05
